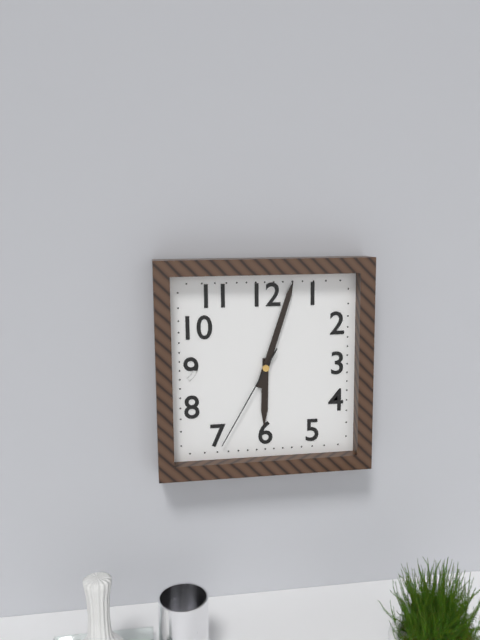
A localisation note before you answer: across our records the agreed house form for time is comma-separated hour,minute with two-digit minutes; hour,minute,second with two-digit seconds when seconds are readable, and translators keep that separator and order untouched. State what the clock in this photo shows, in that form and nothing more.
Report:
6,03,35
